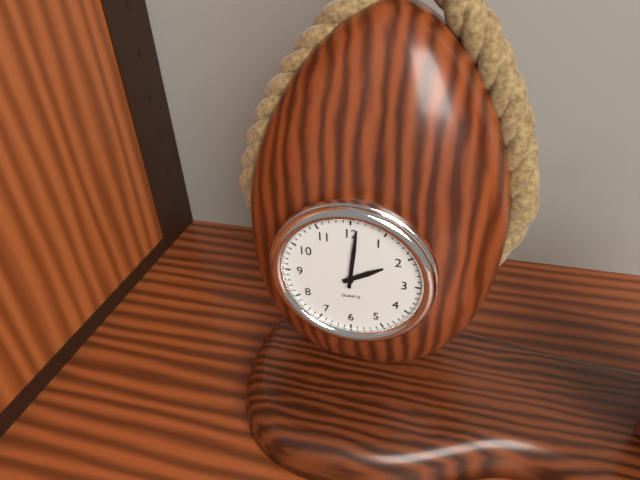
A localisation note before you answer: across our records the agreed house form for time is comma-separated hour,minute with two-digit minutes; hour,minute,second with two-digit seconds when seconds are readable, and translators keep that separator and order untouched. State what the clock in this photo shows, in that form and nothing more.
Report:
2,01
